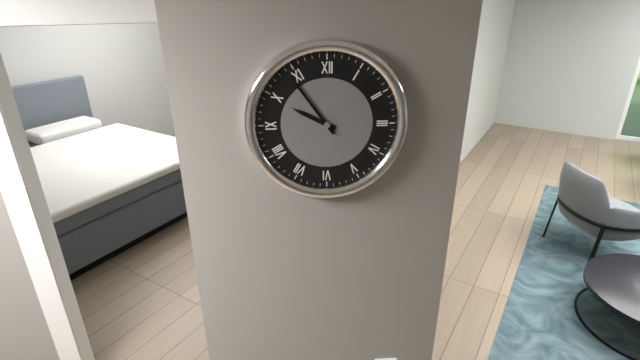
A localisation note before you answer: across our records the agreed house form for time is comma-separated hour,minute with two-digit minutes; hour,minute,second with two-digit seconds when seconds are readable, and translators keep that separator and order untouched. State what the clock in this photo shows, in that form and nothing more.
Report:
9,54
